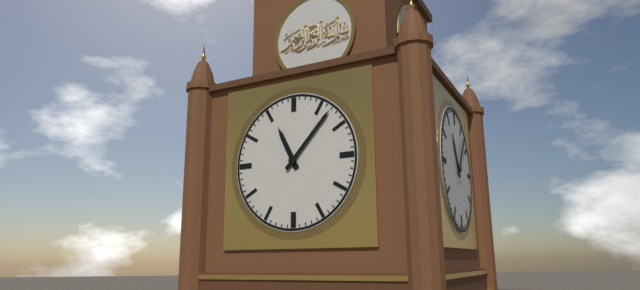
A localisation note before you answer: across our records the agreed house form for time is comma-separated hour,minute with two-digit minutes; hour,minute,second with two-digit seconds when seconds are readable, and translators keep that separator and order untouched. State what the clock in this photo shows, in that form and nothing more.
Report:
11,07
